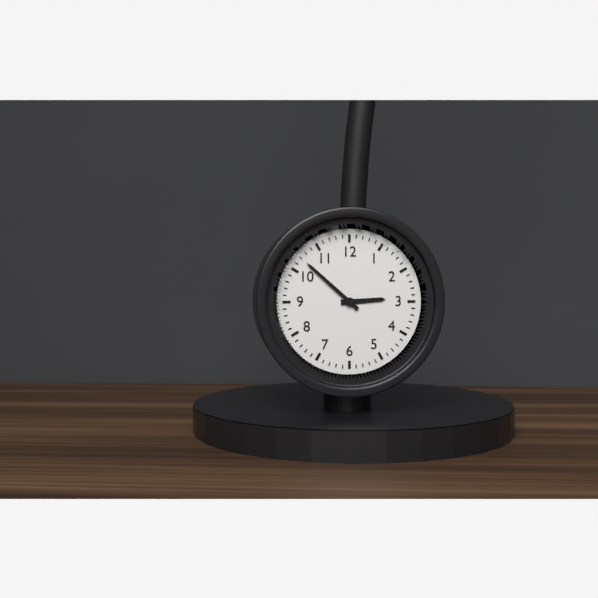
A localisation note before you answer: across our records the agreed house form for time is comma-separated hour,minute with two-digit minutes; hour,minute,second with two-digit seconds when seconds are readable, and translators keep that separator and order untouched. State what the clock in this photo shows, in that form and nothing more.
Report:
2,52
